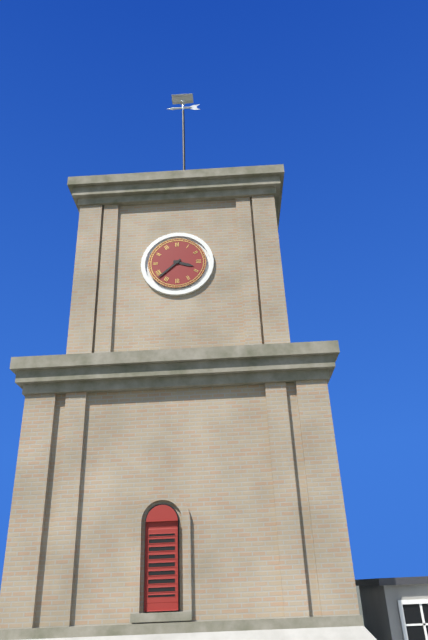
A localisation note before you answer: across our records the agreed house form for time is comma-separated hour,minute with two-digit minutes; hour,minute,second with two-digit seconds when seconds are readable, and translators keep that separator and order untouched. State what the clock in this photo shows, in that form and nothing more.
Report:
3,38
